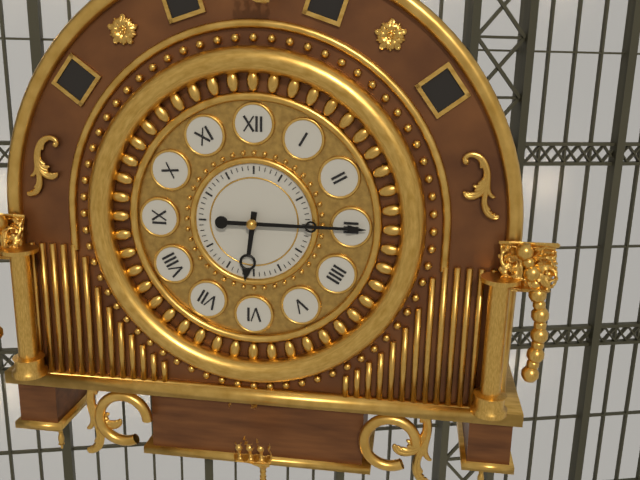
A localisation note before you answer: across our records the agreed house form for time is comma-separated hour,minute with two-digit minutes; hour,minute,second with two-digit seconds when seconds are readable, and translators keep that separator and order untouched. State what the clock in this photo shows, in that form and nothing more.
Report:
6,15
